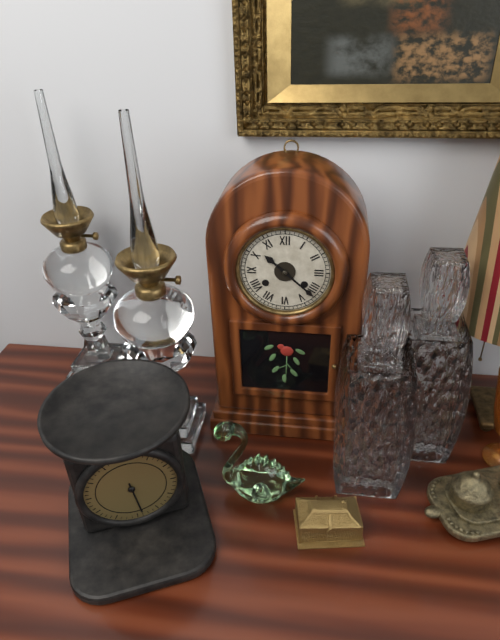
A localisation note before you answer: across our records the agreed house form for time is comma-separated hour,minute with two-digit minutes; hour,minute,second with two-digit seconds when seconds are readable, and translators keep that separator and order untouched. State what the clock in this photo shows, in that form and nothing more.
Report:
10,22
